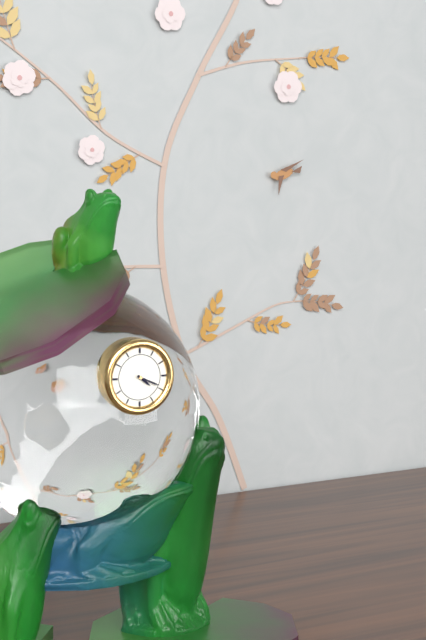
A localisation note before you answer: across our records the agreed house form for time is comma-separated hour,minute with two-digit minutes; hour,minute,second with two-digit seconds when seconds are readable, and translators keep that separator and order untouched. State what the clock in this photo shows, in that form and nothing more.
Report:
4,19
